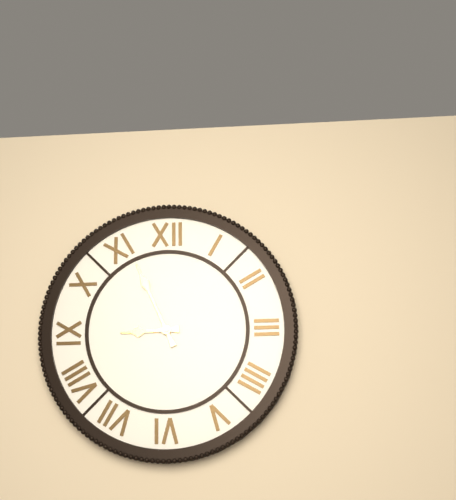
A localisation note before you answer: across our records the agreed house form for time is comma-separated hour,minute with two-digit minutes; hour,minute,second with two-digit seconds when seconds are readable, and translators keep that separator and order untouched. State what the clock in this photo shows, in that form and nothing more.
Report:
8,56
